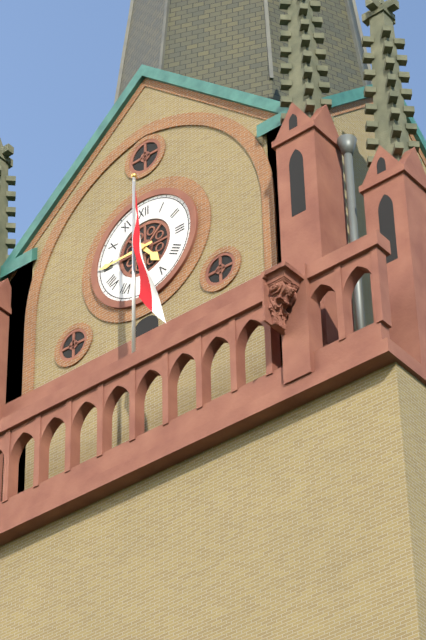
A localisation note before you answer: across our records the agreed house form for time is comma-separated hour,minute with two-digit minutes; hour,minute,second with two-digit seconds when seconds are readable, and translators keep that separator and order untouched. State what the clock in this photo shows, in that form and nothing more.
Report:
4,45
